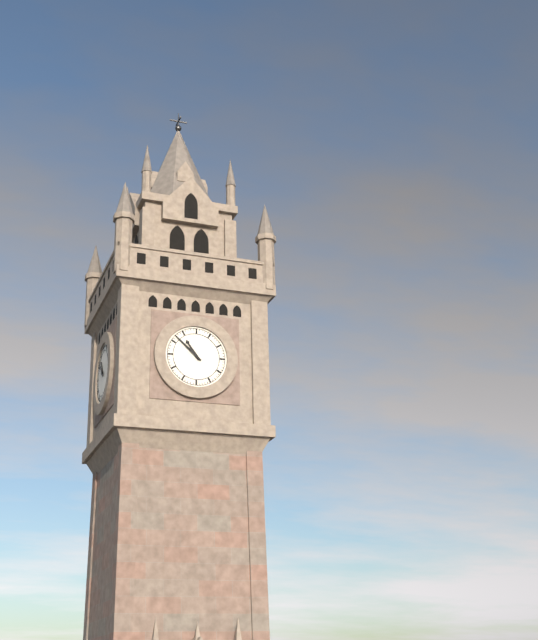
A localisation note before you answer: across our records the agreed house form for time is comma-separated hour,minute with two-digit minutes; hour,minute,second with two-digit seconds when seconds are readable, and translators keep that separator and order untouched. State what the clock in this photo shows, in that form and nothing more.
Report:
10,52
